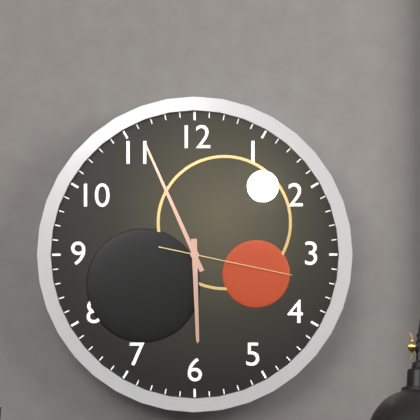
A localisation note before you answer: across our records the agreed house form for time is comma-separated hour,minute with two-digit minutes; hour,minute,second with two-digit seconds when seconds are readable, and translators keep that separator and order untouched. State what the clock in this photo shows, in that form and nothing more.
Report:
5,56,17
